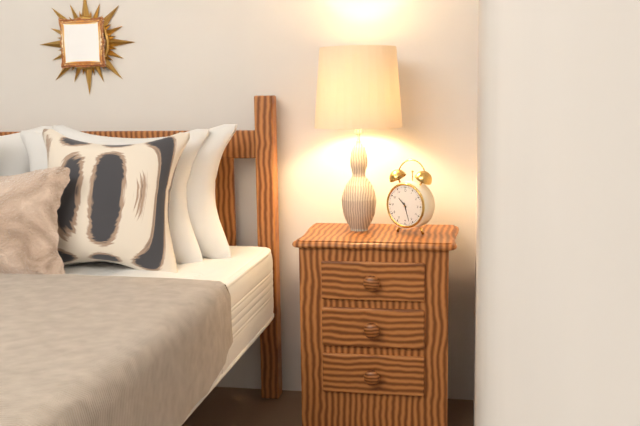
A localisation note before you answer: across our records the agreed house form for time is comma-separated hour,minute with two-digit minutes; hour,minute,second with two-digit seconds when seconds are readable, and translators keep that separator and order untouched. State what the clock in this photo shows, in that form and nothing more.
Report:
10,27
